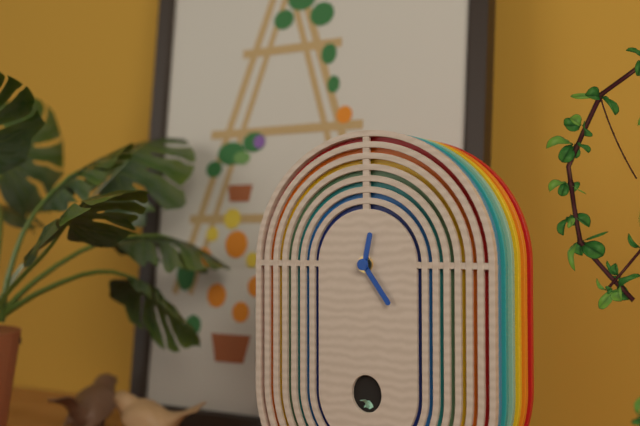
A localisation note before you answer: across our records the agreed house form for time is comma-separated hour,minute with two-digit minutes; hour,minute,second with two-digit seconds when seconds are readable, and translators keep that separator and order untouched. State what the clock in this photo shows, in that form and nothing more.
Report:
12,24
